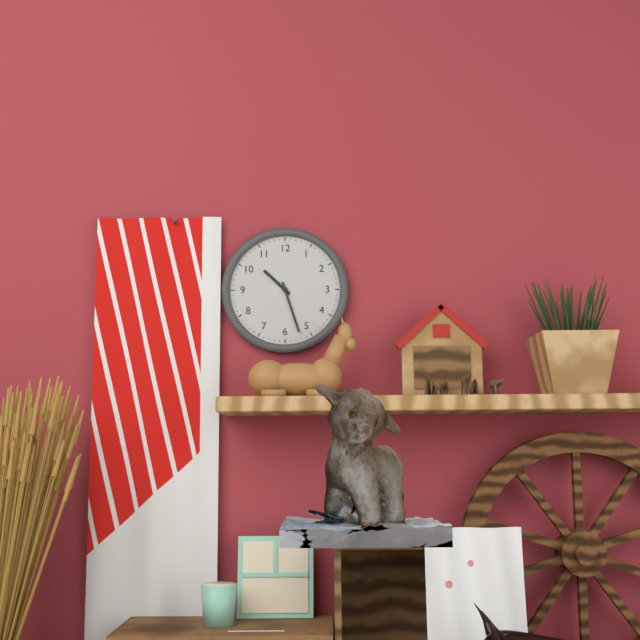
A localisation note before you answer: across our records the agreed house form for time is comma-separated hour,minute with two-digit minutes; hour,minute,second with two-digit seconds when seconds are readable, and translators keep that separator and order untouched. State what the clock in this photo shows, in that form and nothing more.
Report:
10,27
